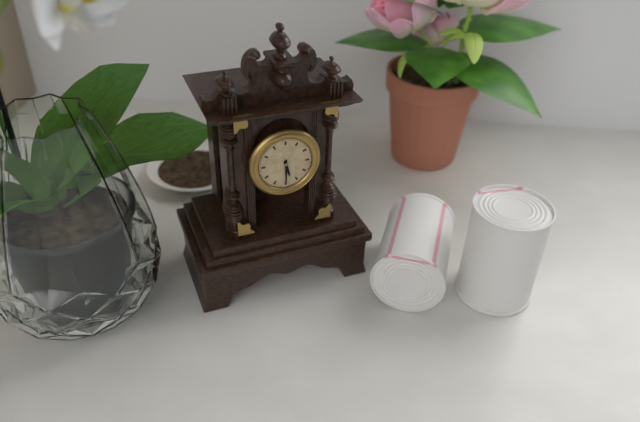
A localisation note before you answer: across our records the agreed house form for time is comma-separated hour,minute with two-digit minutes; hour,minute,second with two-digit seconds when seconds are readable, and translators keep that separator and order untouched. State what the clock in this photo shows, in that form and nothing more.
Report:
5,30
